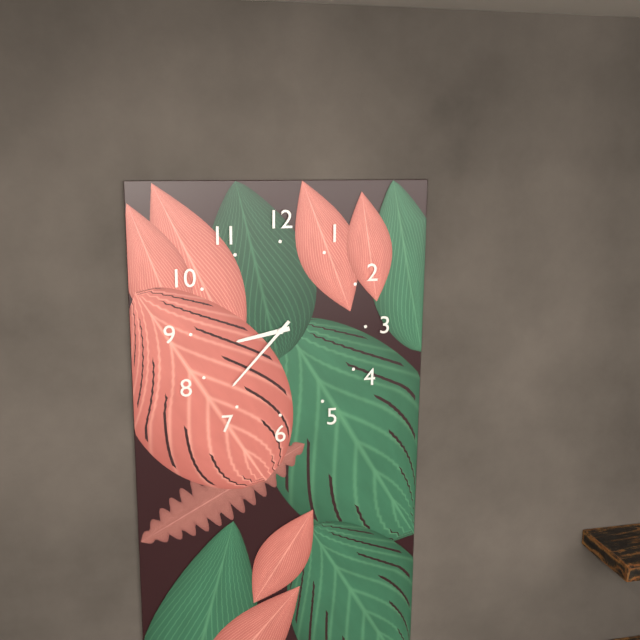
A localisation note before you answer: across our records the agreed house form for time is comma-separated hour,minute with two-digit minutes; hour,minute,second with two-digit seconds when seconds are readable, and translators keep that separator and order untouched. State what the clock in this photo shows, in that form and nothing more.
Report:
8,37
